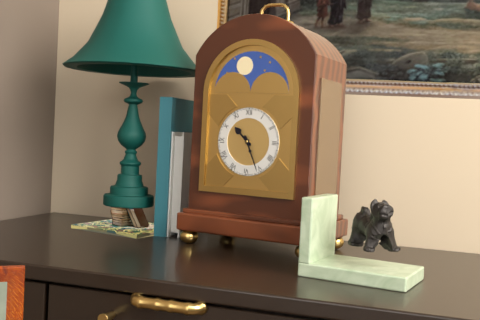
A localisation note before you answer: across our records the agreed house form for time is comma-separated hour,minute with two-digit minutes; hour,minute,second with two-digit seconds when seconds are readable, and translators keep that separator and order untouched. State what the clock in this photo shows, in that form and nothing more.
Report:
10,26
